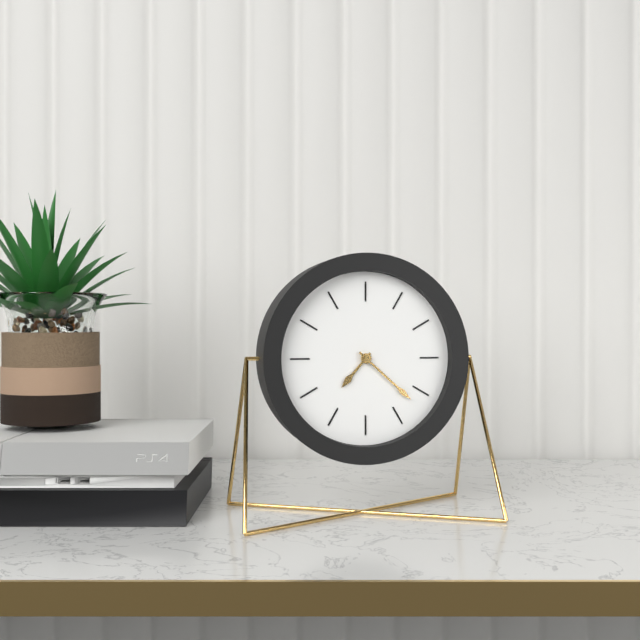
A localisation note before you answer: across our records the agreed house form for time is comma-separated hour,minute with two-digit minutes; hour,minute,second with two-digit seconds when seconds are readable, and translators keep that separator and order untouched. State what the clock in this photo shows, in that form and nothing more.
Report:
7,22
